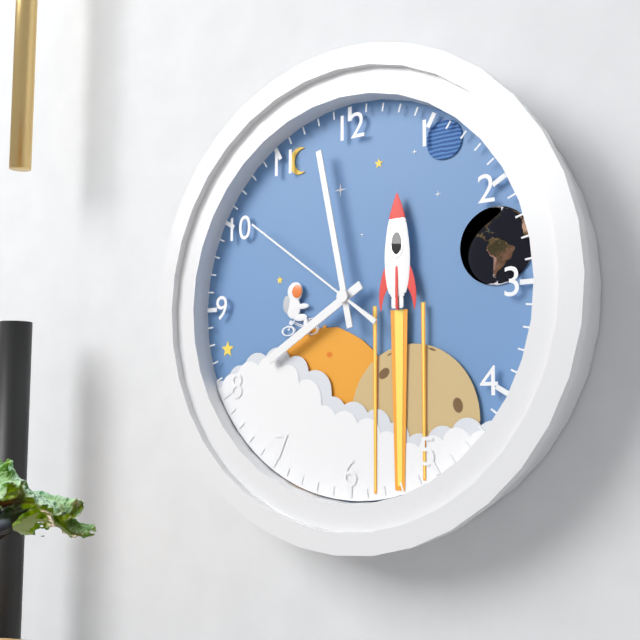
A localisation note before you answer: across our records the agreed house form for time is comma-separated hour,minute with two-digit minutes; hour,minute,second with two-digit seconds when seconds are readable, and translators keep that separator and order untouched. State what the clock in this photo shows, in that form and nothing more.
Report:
7,58,51
